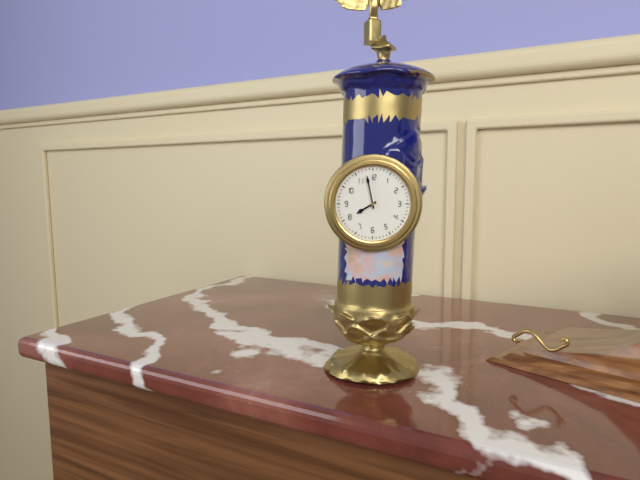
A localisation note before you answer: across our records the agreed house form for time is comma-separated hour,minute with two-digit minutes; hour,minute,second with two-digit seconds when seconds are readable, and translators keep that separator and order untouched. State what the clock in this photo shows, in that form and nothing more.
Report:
7,58
